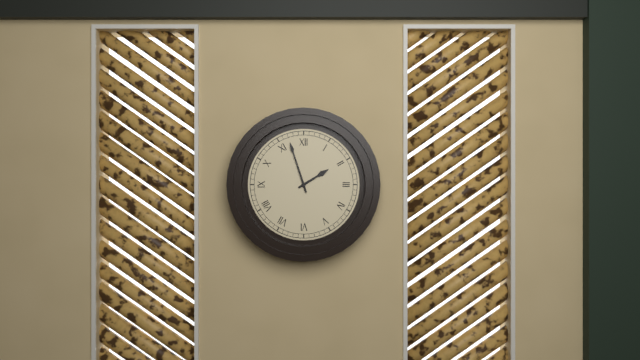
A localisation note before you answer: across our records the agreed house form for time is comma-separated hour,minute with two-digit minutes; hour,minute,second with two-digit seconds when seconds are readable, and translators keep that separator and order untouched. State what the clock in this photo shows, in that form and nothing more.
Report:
1,57
